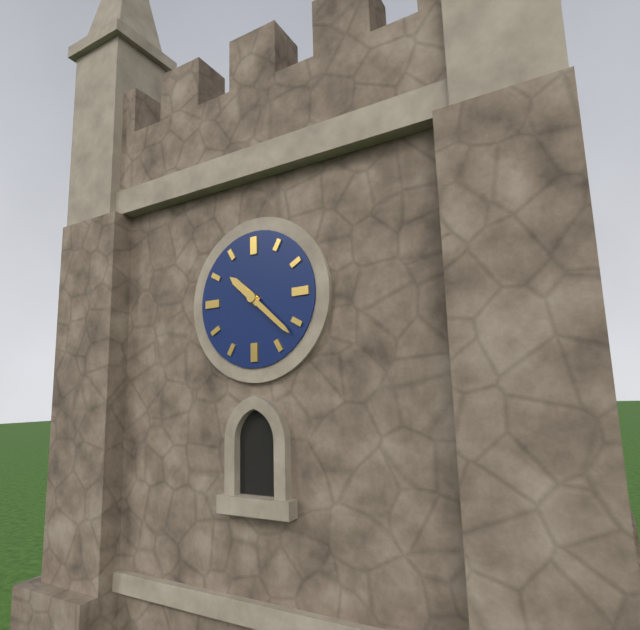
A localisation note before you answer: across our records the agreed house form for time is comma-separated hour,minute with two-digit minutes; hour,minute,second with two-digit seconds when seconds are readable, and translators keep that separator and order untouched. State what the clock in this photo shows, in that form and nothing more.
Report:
10,22
